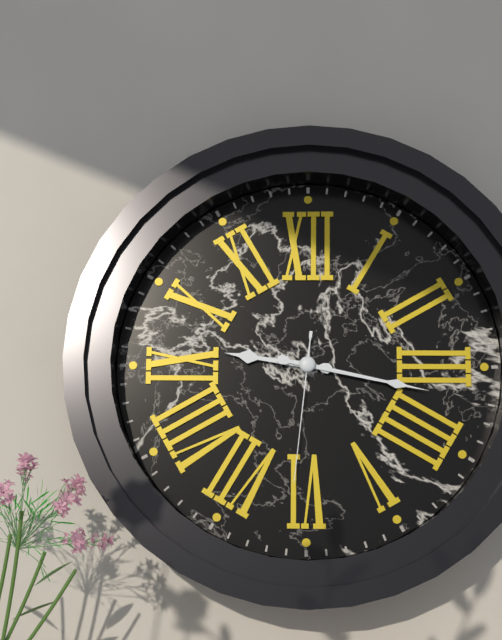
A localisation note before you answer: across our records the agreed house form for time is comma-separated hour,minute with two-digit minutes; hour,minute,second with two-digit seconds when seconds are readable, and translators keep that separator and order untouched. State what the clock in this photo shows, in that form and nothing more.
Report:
9,17,31
